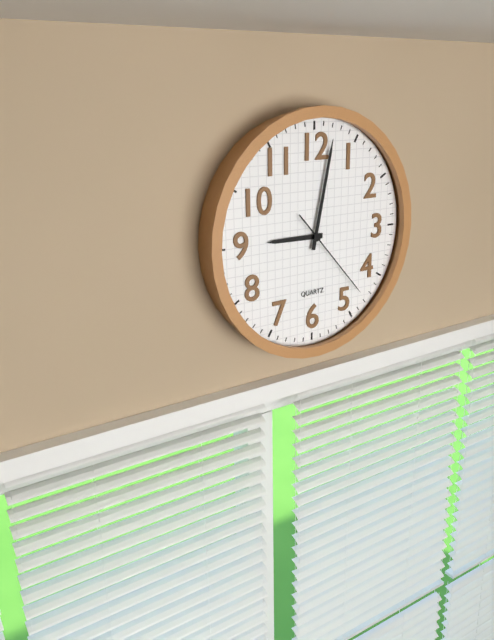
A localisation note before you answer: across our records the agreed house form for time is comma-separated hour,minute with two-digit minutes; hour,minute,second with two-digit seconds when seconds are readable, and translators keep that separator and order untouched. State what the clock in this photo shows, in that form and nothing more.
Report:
9,02,23
